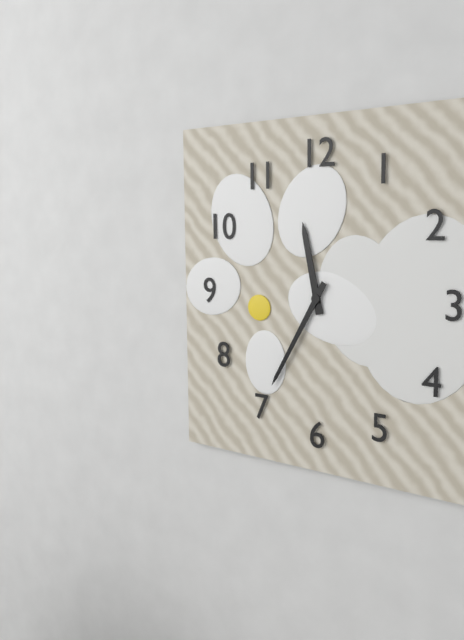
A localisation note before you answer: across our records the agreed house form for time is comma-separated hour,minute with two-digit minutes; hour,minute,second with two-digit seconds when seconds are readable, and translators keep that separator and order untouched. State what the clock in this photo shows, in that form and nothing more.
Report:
11,35
